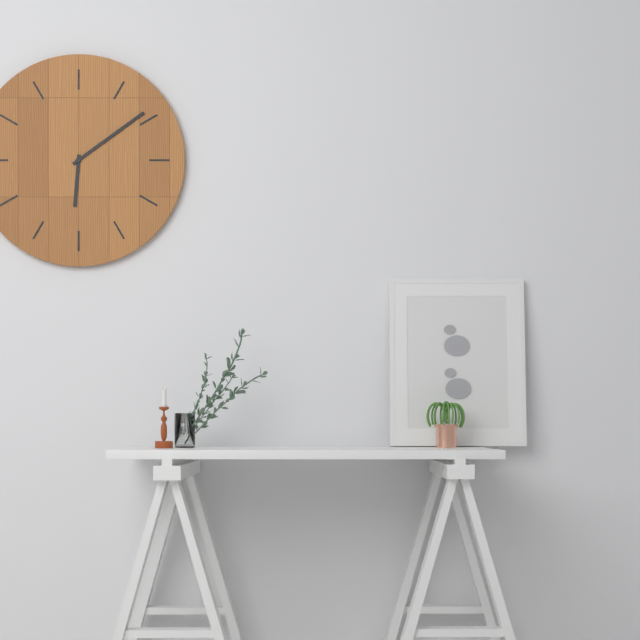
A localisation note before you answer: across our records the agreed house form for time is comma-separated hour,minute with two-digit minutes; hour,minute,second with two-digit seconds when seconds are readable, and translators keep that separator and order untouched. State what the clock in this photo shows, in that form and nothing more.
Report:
6,09
